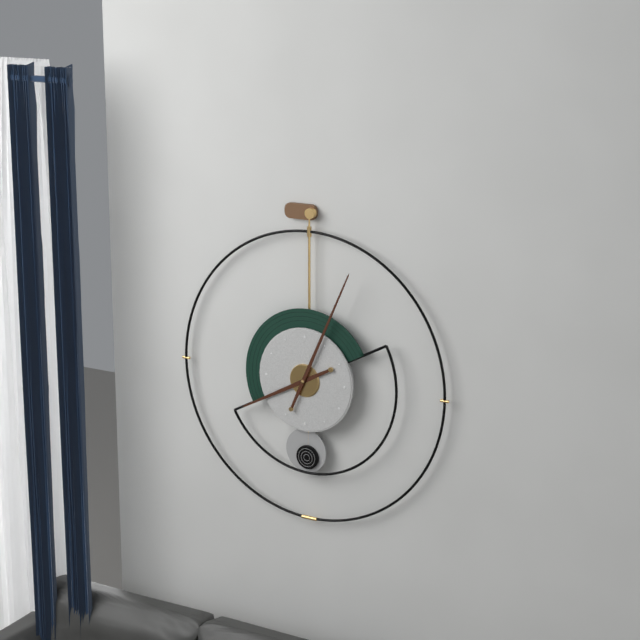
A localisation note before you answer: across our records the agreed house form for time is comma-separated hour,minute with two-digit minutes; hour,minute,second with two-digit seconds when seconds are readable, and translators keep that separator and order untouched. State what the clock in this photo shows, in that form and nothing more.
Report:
8,04
